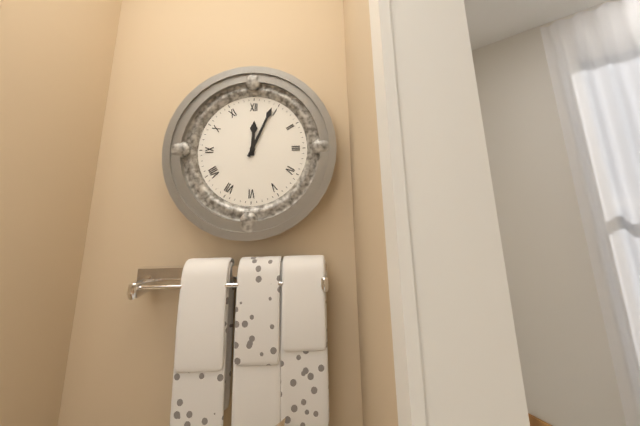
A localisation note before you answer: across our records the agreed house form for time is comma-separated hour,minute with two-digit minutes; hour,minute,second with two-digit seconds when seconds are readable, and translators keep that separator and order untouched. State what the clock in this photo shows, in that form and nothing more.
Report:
12,04
